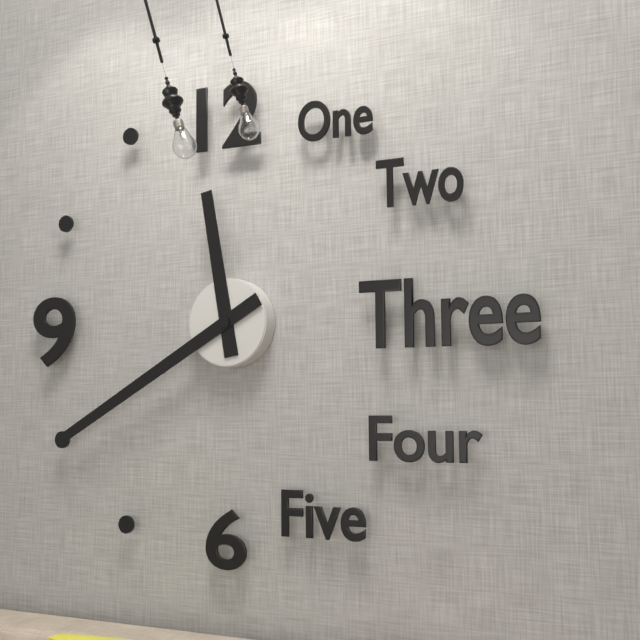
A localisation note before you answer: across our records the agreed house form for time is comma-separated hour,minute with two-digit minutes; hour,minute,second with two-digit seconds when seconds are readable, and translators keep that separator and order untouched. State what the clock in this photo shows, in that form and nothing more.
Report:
11,40
